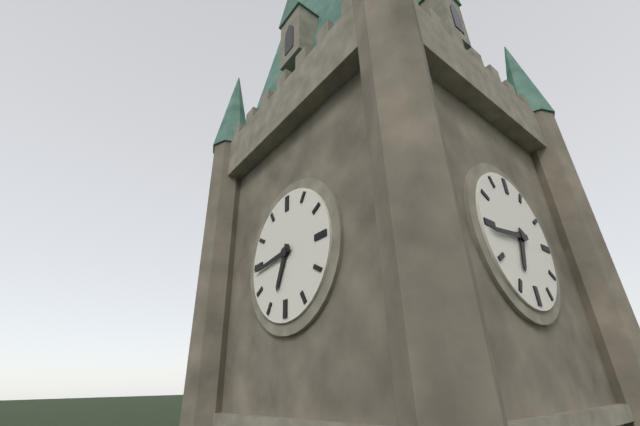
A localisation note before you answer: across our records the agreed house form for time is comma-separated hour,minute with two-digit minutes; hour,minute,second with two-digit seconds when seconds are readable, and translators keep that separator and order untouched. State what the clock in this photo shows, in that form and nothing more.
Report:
6,44
